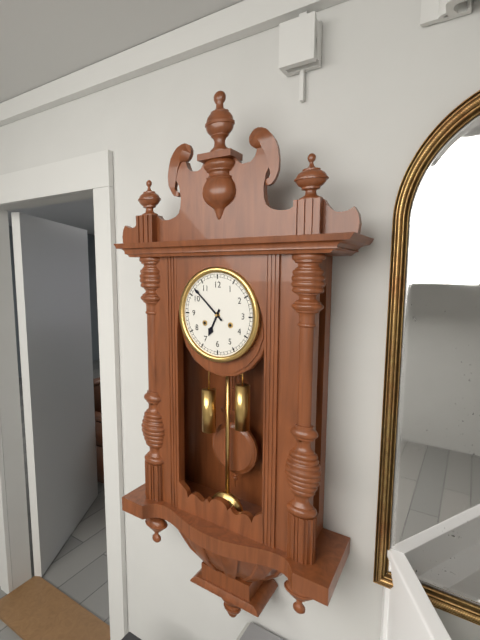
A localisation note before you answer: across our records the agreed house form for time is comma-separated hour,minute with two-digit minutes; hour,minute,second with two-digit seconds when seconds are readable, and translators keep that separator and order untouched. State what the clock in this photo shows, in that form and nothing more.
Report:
6,52
